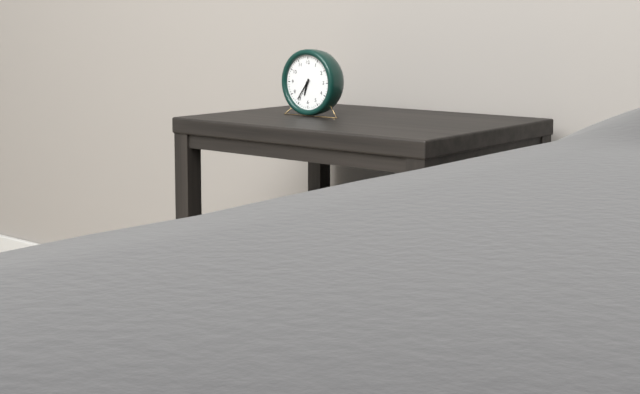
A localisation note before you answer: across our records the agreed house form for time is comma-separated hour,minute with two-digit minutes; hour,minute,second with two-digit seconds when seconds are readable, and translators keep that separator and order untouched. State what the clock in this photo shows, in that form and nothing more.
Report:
6,36
